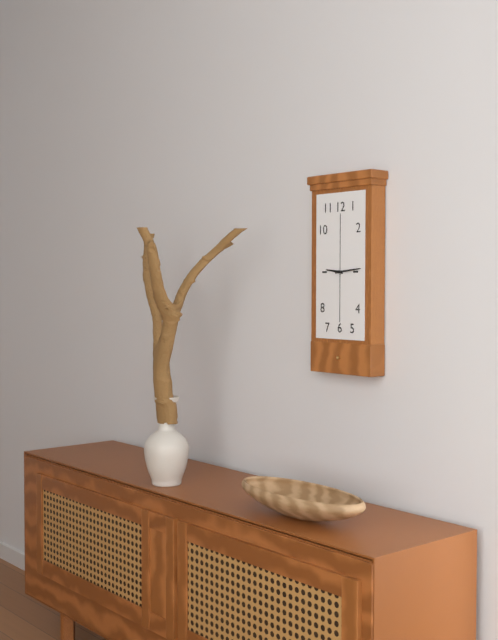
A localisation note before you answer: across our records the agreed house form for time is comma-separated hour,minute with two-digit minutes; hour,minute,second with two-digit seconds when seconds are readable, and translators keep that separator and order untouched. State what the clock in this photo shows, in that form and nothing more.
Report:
9,14
